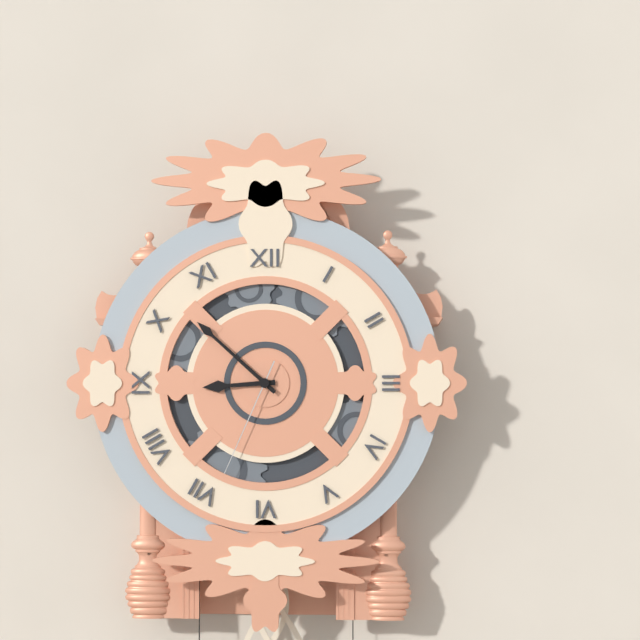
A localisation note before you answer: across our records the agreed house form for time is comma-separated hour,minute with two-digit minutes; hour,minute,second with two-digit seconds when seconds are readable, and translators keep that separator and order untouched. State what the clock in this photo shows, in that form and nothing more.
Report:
8,52,34
